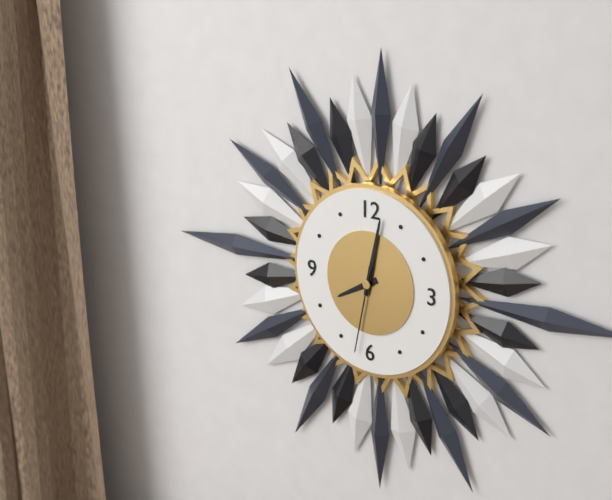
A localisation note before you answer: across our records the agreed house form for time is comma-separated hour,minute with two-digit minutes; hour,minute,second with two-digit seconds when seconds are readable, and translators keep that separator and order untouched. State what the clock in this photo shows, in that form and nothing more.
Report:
8,02,32
